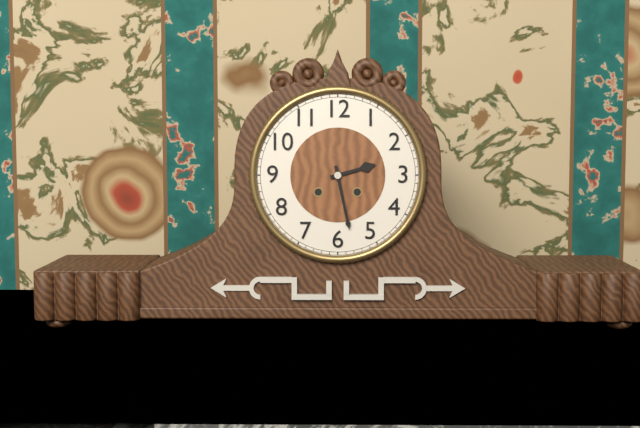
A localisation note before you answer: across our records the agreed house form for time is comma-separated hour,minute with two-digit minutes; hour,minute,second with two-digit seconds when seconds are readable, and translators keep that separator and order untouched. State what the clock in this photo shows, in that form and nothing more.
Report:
2,28
